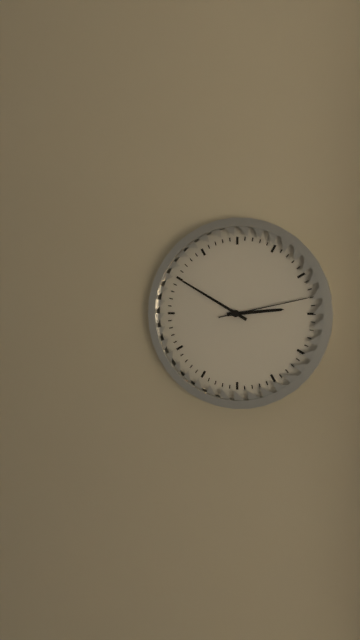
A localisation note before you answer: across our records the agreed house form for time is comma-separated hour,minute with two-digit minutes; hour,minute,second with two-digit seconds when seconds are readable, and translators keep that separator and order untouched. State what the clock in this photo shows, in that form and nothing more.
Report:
2,50,13
